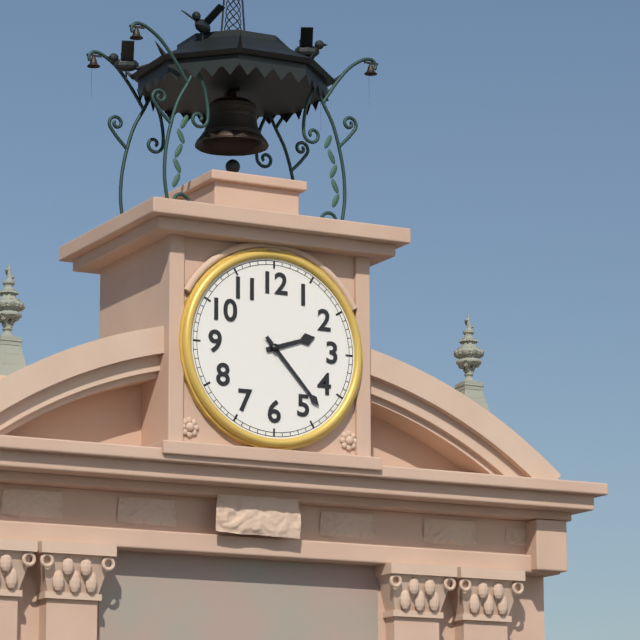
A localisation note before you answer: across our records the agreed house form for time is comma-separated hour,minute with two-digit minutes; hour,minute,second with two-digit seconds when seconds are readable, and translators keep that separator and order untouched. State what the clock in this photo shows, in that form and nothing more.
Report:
2,23
